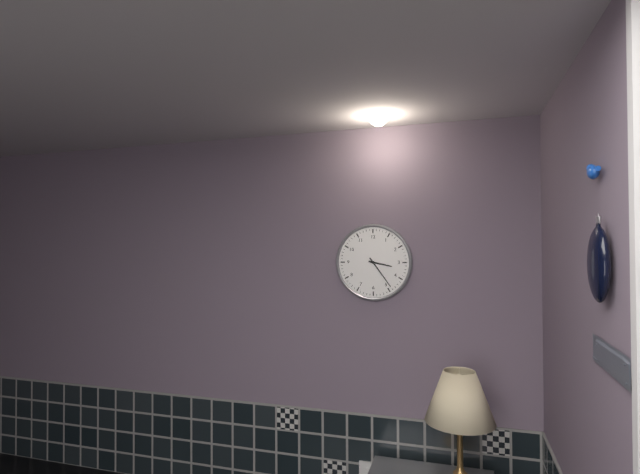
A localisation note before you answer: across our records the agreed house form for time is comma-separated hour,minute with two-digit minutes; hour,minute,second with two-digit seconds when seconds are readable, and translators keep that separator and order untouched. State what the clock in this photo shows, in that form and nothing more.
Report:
3,24
